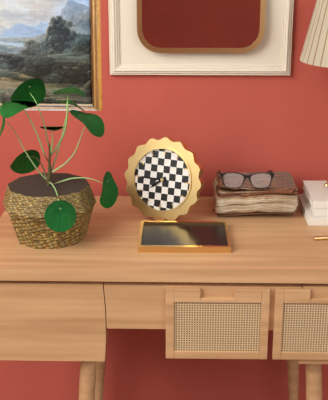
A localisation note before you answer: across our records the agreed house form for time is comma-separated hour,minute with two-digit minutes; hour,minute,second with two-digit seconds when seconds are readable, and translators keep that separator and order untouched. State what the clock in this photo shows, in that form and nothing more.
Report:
7,45
